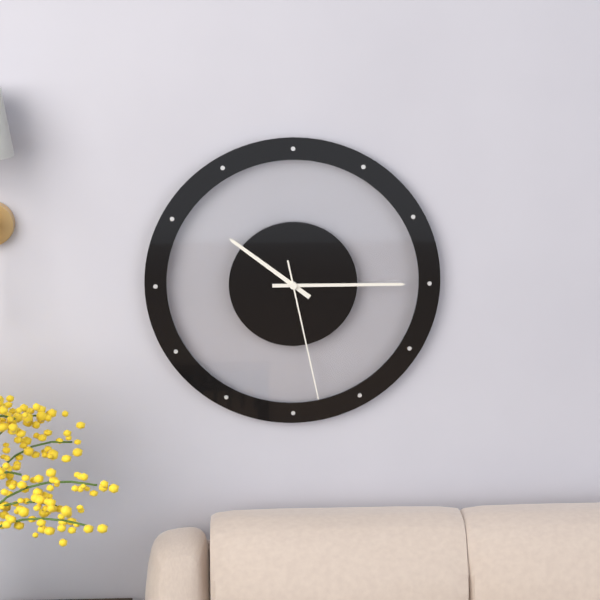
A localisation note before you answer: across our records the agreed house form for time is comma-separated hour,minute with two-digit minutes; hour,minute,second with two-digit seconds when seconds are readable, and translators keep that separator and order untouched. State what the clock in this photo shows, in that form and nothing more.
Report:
10,15,28
